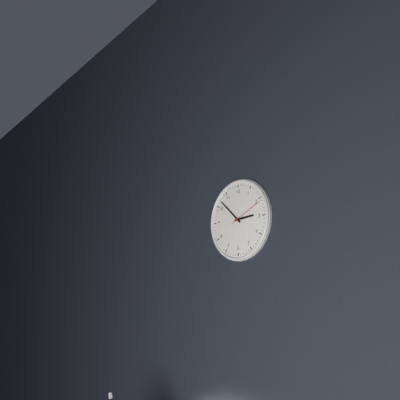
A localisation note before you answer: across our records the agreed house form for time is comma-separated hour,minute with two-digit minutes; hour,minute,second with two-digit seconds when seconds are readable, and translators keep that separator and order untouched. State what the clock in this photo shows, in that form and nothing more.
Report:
2,52
